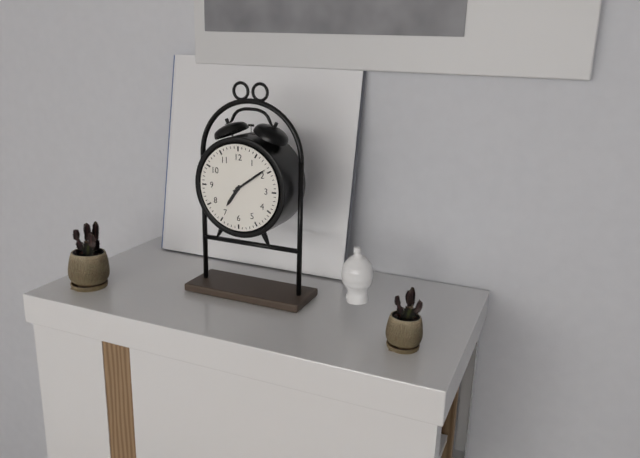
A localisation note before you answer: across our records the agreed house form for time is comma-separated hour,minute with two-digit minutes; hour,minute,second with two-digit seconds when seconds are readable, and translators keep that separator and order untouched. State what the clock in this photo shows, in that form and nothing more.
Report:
7,09
